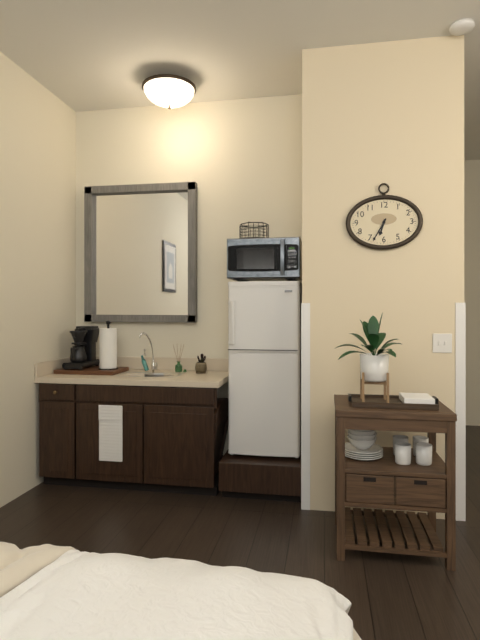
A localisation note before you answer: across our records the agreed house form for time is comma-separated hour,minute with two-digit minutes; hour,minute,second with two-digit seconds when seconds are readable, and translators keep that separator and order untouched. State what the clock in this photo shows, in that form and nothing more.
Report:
6,35
